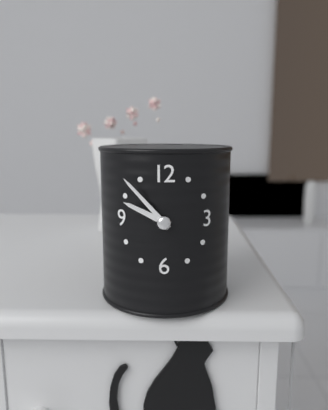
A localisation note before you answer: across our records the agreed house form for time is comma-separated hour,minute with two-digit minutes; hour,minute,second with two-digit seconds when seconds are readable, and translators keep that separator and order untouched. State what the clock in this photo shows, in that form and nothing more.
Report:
9,53
